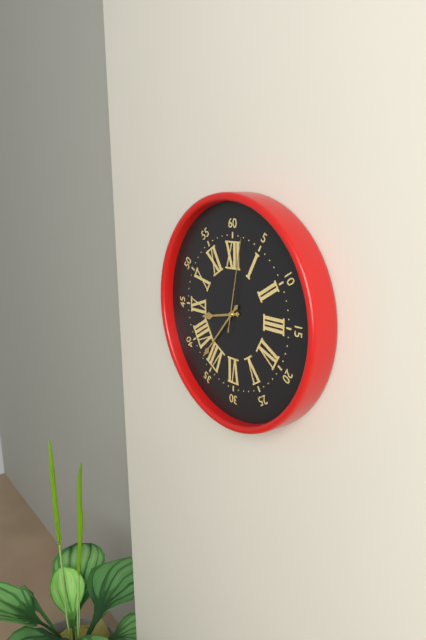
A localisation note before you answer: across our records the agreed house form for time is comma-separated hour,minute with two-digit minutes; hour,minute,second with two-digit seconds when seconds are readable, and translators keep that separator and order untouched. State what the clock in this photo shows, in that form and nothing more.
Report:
8,37,02
